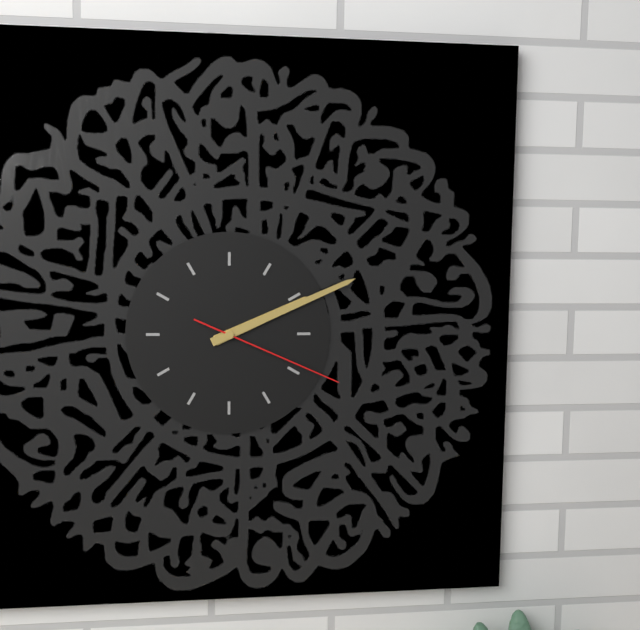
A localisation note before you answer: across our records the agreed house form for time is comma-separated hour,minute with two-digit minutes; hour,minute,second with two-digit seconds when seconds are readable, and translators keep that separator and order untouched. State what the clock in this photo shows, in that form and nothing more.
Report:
2,11,19
